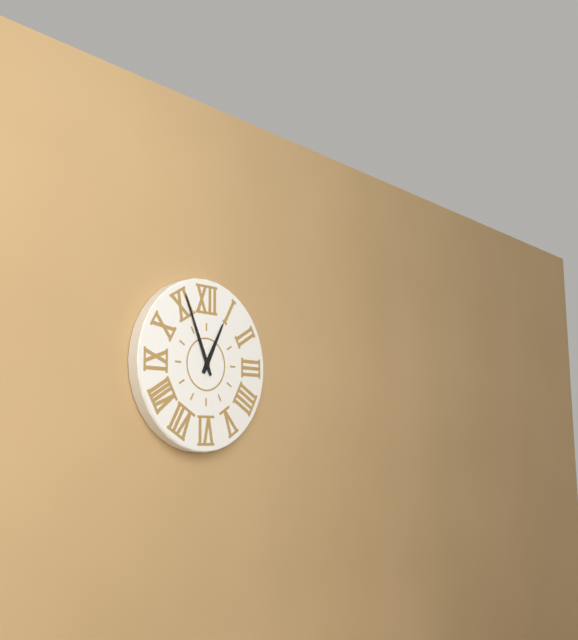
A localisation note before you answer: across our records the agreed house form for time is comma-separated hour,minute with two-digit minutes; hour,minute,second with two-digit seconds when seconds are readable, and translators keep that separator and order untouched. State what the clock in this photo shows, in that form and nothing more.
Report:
12,56
